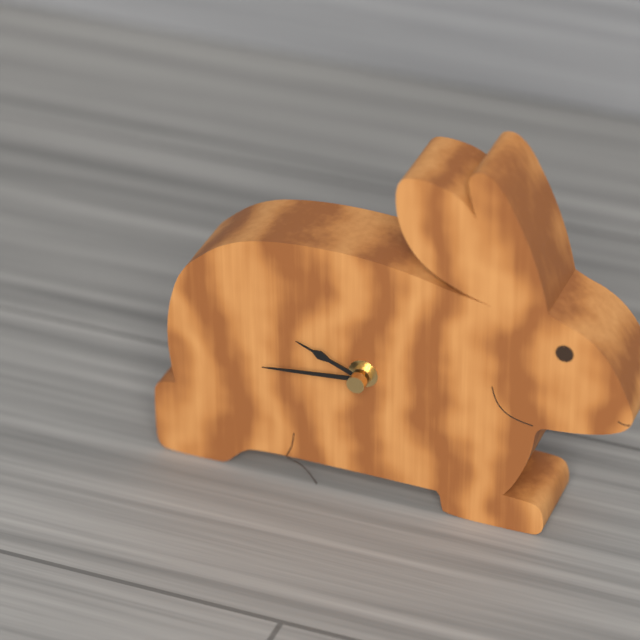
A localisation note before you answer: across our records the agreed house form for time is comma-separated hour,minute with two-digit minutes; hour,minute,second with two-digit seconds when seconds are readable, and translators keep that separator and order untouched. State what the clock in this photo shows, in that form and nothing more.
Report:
9,44
